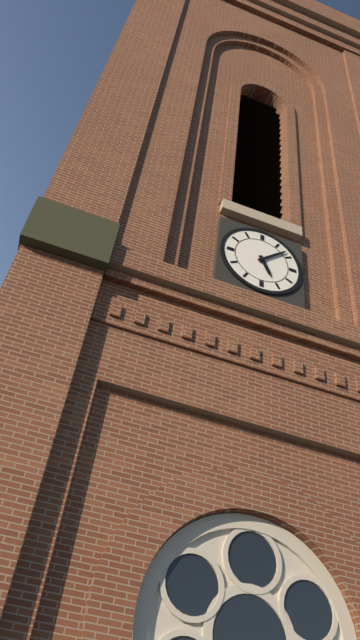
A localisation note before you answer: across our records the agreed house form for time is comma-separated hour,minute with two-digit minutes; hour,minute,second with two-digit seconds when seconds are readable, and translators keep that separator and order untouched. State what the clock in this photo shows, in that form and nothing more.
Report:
5,08
